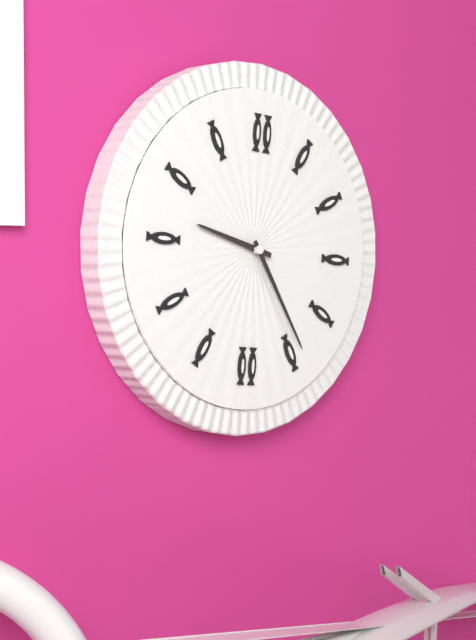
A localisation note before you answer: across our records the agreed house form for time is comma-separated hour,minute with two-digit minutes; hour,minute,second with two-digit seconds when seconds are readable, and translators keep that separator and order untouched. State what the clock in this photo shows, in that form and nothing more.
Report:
9,24
